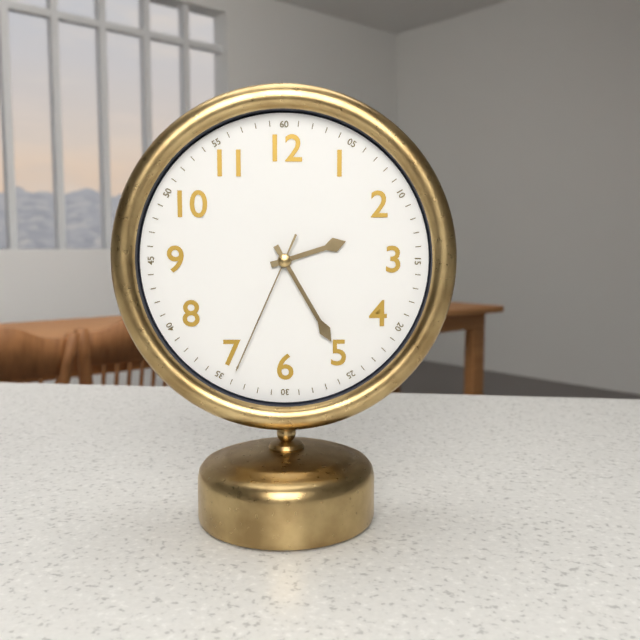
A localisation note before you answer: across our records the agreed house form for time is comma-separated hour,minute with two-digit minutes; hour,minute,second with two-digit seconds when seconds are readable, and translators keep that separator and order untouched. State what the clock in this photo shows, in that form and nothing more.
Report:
2,25,34
